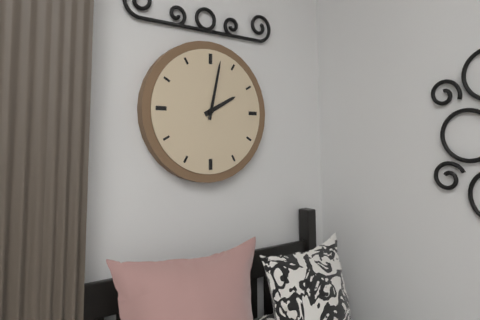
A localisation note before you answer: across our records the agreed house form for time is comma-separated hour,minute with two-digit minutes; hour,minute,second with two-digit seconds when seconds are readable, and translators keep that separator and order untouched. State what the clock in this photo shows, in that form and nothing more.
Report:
2,02
